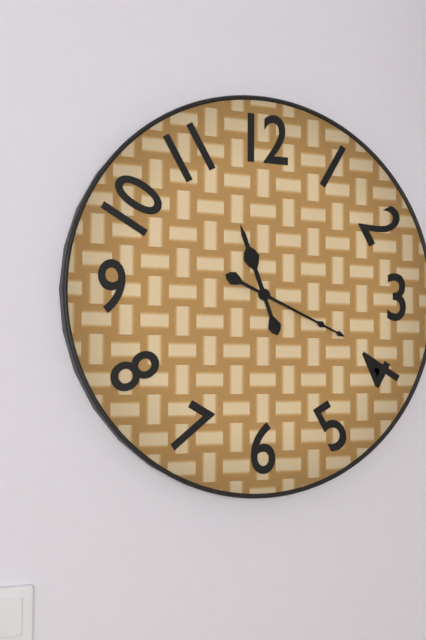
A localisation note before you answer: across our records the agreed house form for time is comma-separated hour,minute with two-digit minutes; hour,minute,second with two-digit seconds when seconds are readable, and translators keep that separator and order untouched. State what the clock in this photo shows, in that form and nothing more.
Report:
11,19
